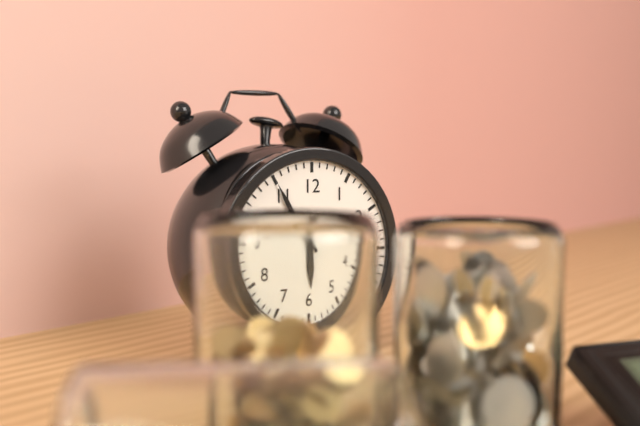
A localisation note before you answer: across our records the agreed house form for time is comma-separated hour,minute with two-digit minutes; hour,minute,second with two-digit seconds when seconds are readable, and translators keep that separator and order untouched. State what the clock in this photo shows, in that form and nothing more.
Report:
5,55
